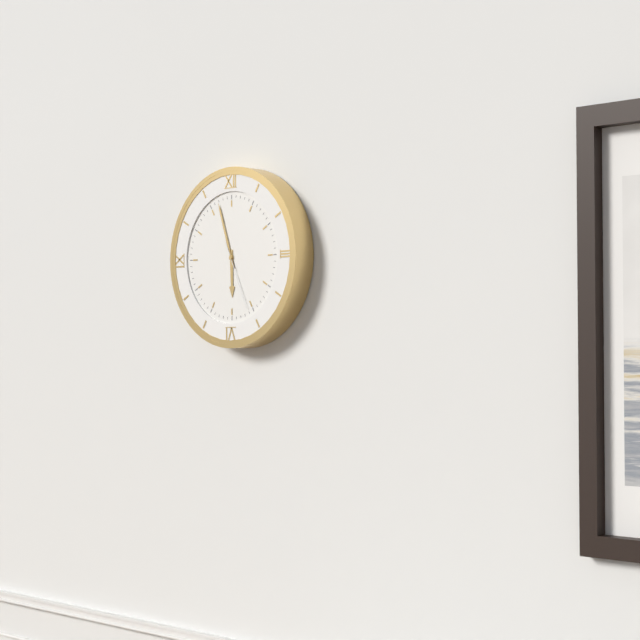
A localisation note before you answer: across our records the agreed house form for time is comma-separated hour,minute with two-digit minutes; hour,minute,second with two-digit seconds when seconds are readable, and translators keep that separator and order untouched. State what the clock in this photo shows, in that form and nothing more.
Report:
5,57,26
